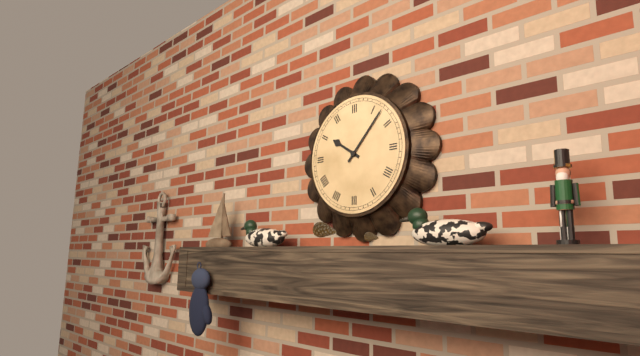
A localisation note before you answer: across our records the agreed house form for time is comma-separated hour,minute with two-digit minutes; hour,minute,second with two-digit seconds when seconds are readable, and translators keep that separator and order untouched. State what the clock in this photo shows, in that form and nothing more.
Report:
10,07
